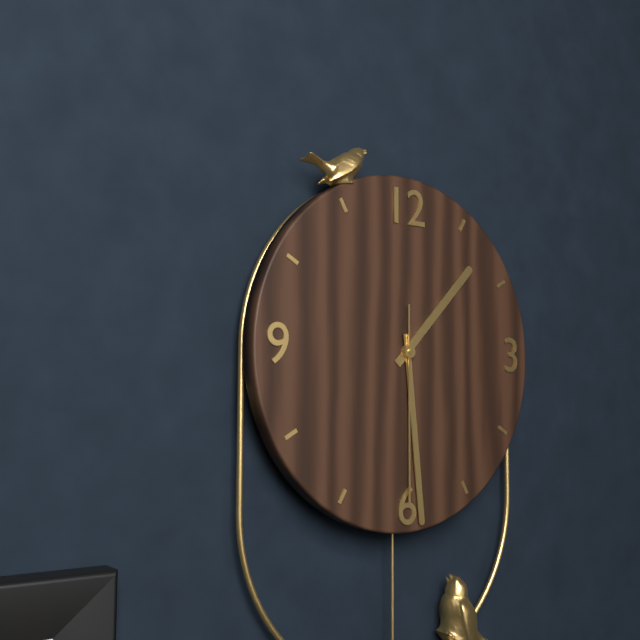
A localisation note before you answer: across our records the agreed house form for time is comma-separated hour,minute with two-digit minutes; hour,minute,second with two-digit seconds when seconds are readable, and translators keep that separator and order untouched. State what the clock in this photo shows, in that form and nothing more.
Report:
1,29,30
